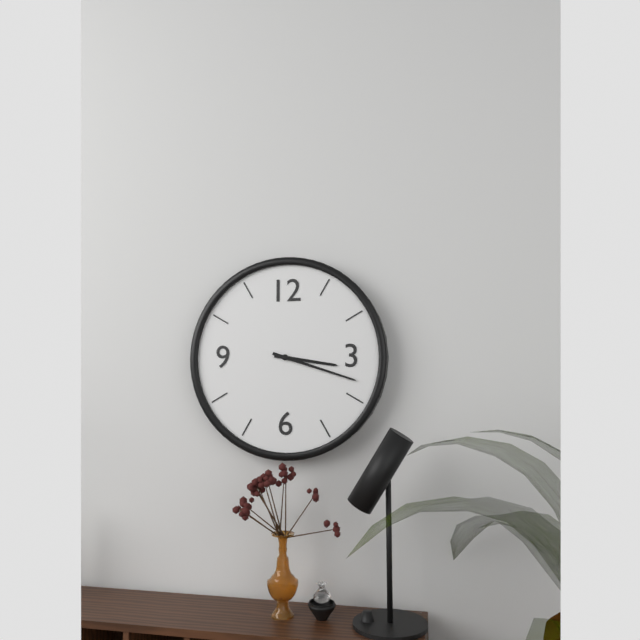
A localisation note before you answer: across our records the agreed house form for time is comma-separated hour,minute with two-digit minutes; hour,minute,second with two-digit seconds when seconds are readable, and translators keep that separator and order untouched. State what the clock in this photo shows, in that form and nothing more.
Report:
3,18
